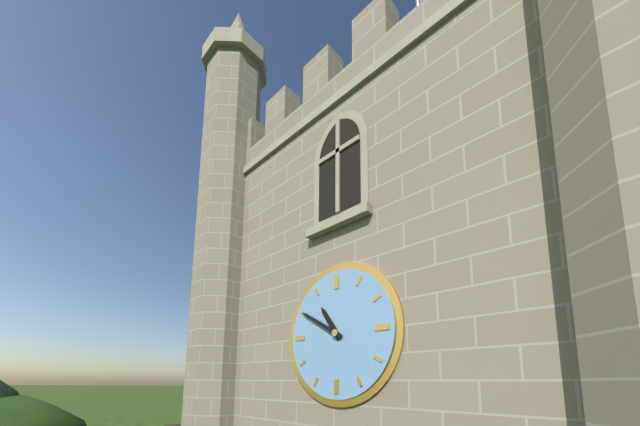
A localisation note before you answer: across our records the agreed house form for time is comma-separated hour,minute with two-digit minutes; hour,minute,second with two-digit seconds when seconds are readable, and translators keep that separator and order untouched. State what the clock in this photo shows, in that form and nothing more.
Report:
10,50
